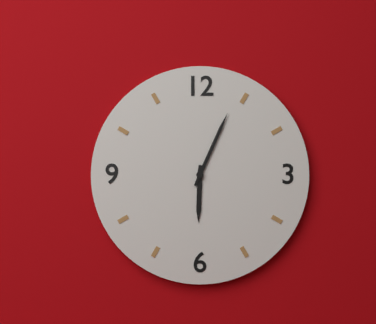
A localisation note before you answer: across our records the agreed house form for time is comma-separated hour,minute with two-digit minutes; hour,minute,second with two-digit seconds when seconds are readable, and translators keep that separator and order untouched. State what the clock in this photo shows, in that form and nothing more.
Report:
6,04
